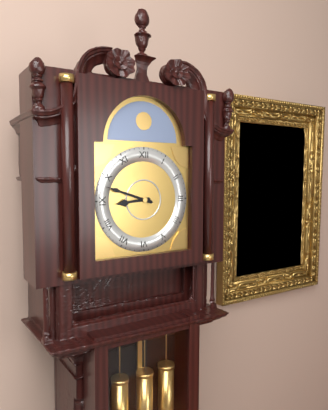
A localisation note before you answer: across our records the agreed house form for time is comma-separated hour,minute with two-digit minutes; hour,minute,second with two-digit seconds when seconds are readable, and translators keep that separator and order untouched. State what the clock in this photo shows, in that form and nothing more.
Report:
8,48
